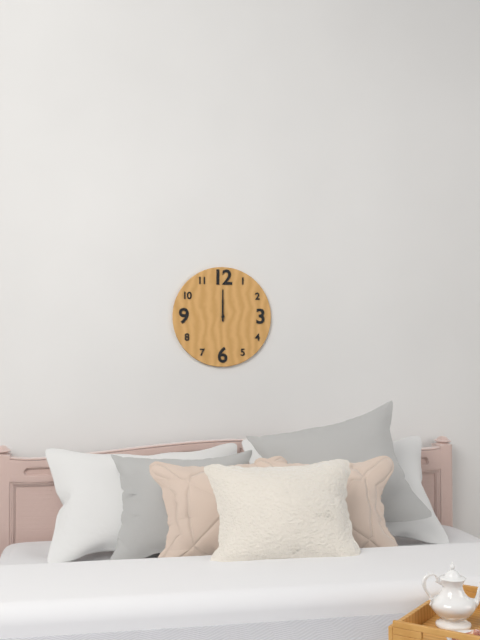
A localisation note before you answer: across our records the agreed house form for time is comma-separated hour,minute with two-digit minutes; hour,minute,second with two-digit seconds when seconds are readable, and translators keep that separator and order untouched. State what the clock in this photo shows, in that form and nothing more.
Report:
12,00
